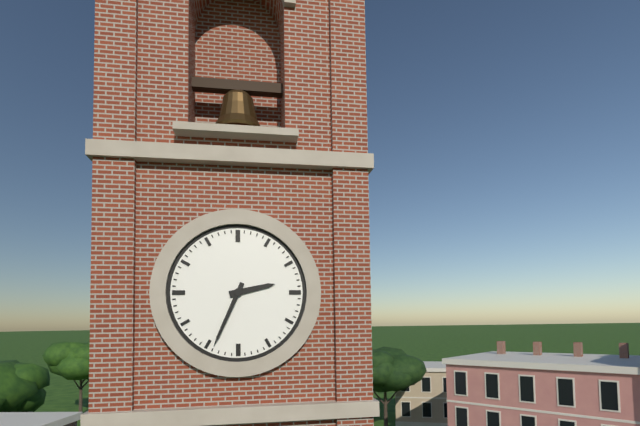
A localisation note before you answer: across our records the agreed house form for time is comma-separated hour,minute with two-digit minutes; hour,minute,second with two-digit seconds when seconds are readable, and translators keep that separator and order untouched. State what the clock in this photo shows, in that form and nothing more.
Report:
2,34
